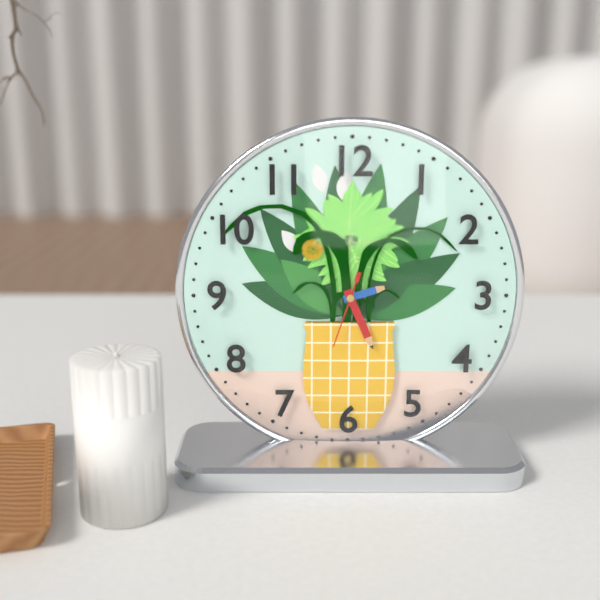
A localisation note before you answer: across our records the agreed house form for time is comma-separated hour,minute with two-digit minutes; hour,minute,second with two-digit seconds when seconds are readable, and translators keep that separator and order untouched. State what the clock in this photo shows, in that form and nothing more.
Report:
2,26,33
